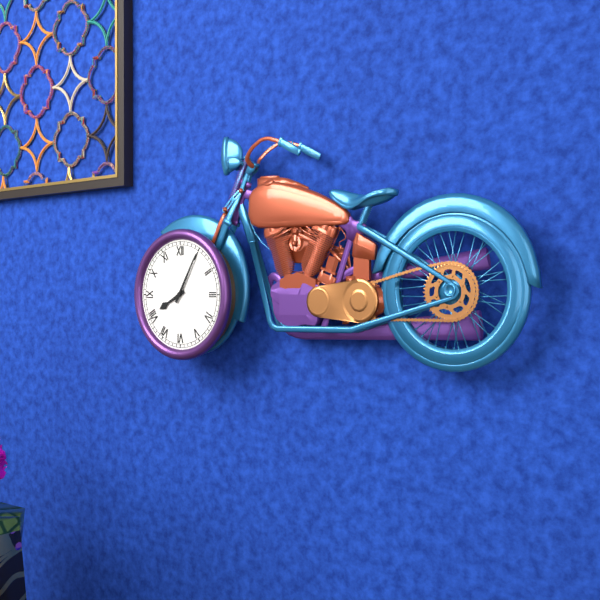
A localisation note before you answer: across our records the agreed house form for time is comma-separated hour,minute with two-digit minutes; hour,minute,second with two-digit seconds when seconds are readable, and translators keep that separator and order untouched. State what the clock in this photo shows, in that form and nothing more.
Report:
8,05
